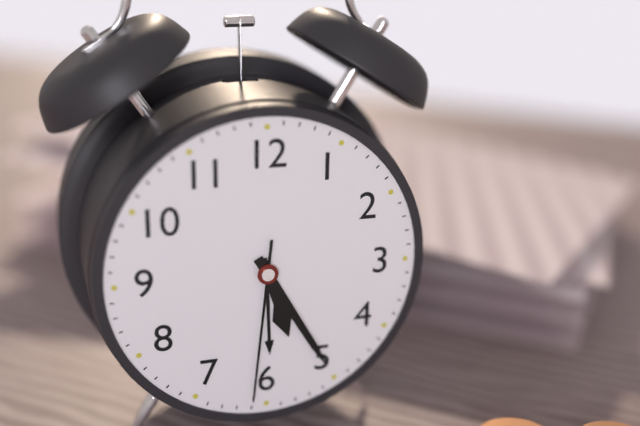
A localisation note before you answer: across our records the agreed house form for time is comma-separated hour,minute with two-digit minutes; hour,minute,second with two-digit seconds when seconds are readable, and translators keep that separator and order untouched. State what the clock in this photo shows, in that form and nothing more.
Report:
5,25,31
